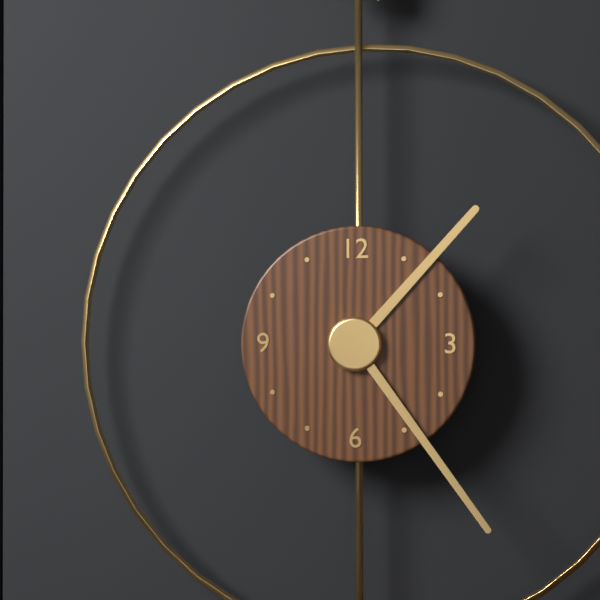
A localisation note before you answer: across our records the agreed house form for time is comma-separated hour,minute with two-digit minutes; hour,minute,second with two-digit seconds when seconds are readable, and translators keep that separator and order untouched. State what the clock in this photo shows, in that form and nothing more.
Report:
1,24
